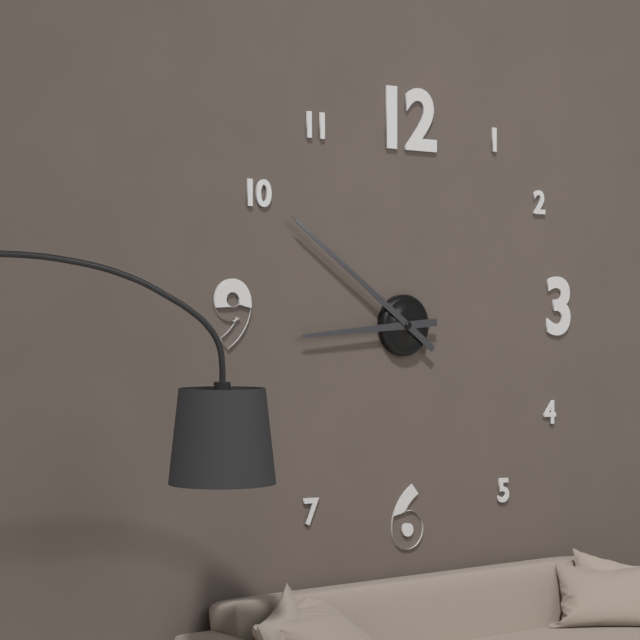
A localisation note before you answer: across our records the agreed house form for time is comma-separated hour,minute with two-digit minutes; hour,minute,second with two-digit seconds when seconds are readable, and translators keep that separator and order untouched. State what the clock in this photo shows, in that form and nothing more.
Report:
8,51
